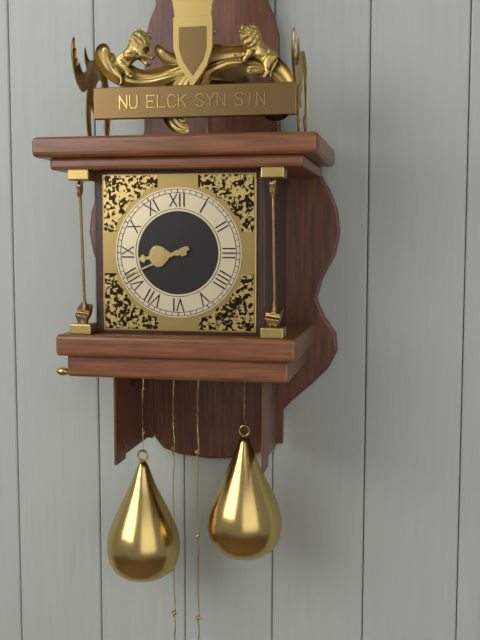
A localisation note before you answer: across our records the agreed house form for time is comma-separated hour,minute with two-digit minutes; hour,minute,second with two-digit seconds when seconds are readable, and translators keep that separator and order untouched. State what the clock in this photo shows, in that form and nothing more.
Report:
8,41
